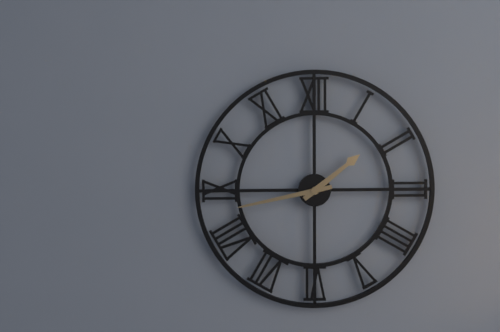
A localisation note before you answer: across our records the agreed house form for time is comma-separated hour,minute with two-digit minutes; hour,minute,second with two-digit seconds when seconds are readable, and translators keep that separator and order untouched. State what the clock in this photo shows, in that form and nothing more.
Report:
1,43
